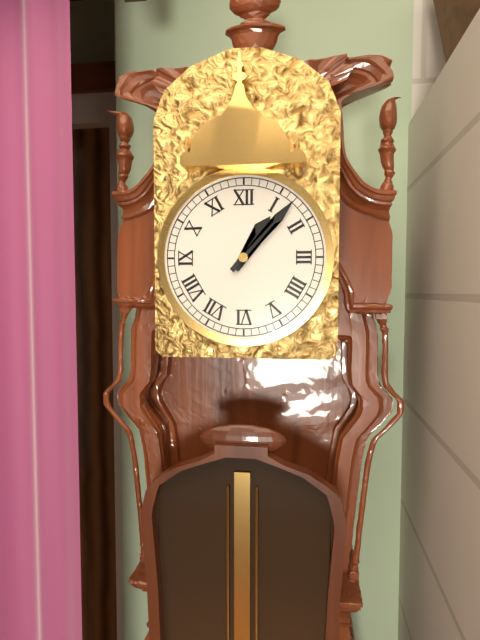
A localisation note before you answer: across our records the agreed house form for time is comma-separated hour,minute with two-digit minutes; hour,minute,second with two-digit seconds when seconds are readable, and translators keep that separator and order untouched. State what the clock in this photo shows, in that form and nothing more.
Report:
1,07
